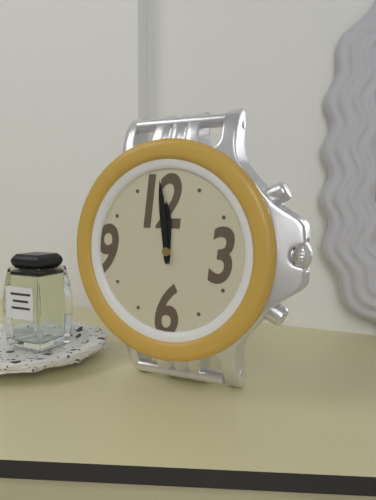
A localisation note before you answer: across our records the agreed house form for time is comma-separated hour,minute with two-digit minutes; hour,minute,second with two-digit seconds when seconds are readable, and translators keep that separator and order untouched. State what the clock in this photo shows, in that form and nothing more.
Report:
11,59
